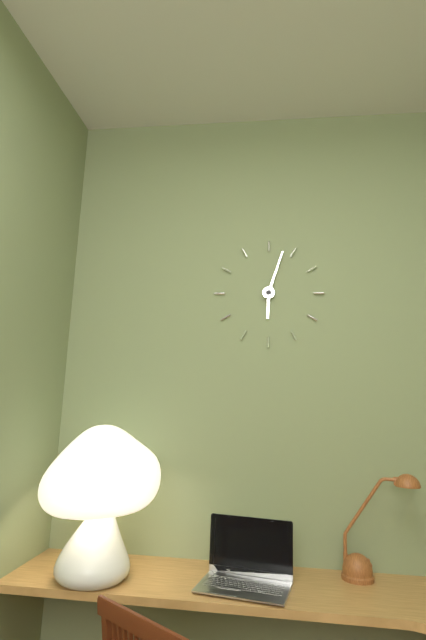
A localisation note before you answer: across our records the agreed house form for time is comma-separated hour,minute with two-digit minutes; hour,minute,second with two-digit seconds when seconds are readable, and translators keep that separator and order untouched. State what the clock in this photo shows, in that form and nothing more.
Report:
6,03
